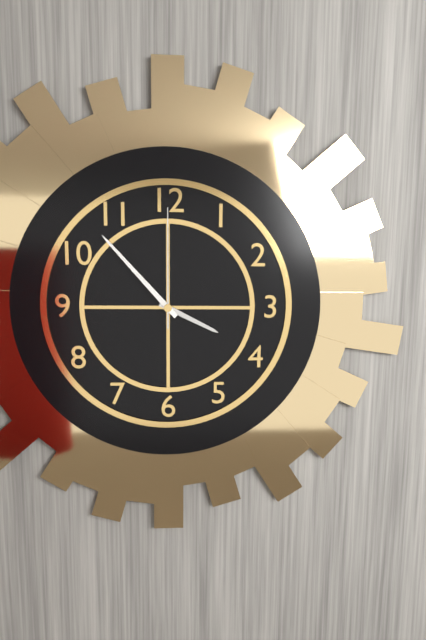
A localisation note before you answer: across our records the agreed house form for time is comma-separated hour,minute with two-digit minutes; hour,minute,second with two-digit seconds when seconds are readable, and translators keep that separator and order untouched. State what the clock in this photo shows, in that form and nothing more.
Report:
3,53,00
